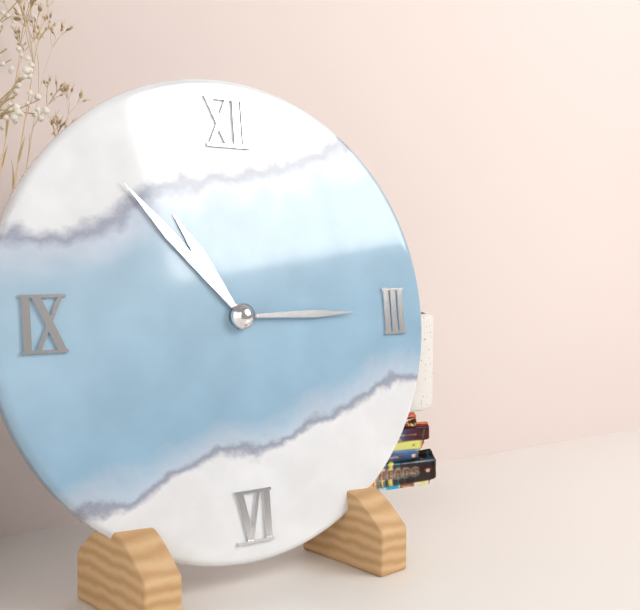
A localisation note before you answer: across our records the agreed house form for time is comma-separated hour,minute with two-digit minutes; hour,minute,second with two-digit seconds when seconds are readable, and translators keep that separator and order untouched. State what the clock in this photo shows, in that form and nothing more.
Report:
10,53,15
